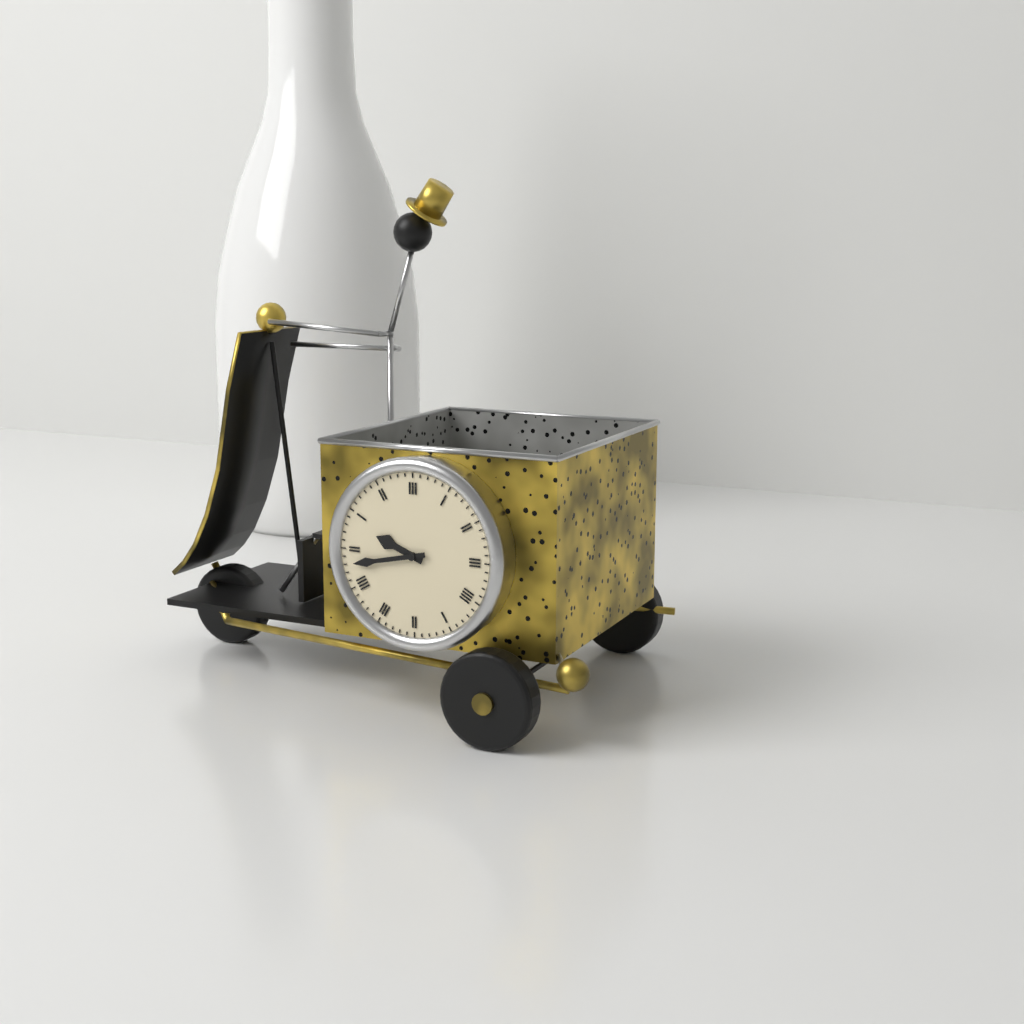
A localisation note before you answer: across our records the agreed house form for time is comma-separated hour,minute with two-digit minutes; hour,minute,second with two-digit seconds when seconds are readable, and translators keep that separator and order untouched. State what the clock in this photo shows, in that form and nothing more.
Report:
9,43
